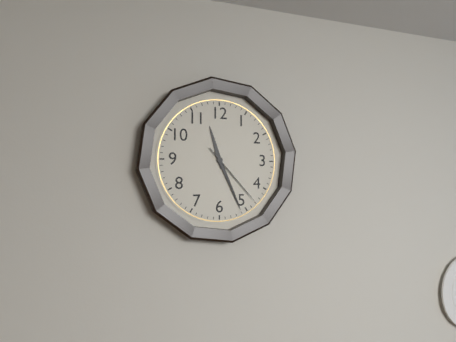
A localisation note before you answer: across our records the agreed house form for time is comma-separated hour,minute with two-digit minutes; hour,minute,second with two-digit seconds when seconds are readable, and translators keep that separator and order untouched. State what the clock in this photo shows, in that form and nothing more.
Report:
11,26,23
